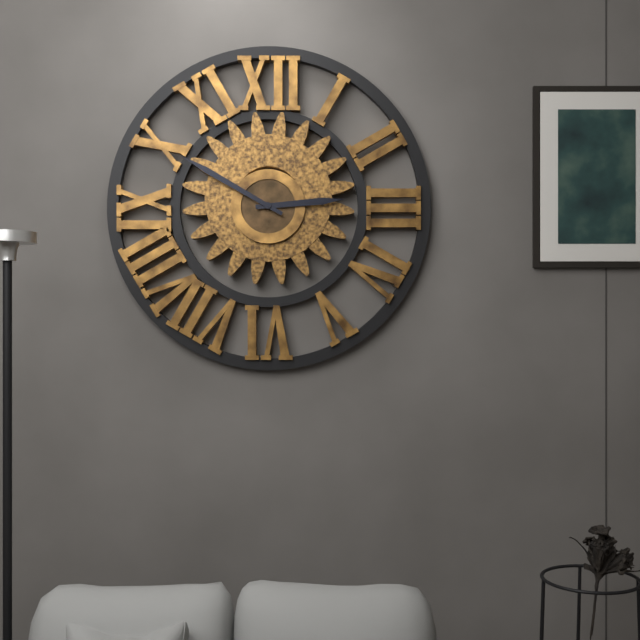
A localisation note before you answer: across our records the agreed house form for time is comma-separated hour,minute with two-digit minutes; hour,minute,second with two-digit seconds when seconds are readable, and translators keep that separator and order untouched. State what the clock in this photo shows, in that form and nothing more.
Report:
2,50
